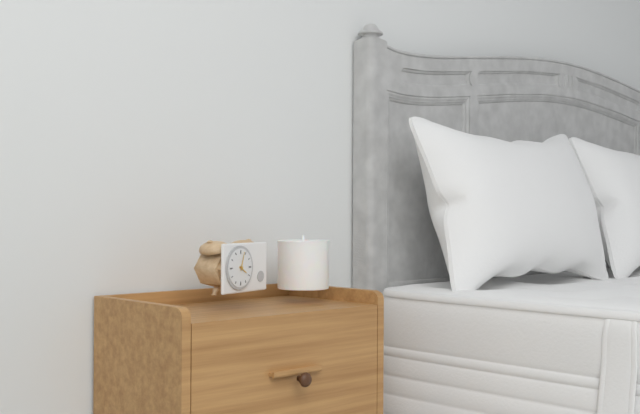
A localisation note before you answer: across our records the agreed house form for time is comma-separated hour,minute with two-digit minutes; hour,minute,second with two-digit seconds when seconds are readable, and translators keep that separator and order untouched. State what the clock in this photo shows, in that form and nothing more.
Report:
4,03
